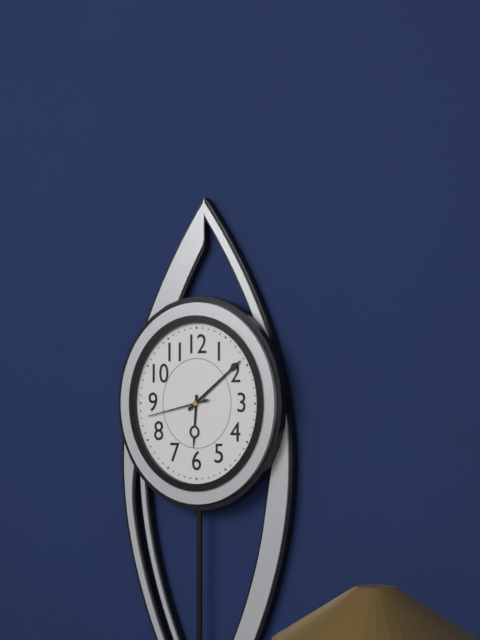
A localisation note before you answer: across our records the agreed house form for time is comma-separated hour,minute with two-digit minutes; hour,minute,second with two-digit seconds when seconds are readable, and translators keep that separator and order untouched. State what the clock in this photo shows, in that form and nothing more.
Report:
6,09,43
